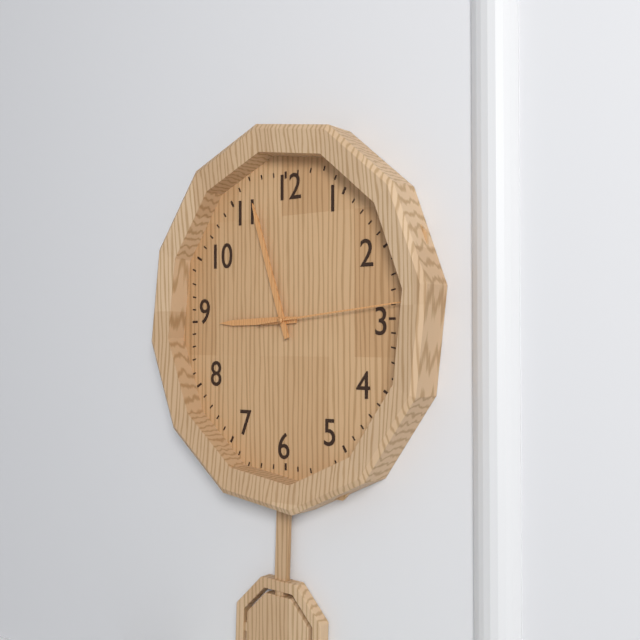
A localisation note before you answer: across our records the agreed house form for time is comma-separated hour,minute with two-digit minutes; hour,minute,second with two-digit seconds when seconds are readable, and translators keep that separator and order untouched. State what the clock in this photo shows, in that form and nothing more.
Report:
8,57,14
